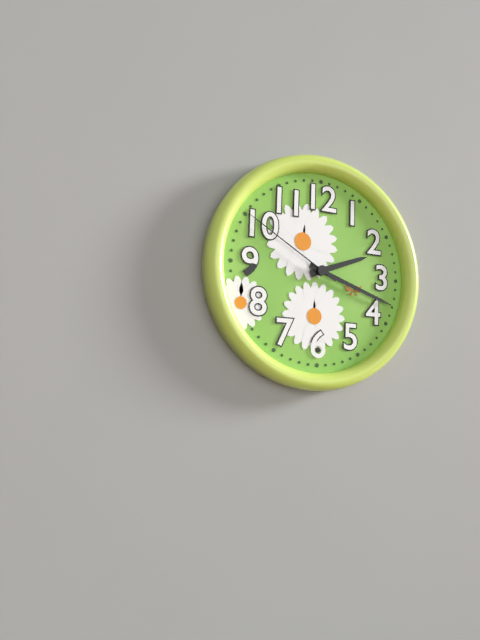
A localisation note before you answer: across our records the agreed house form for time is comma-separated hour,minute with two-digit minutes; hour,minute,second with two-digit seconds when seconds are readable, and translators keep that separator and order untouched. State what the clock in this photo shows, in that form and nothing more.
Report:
2,18,50
